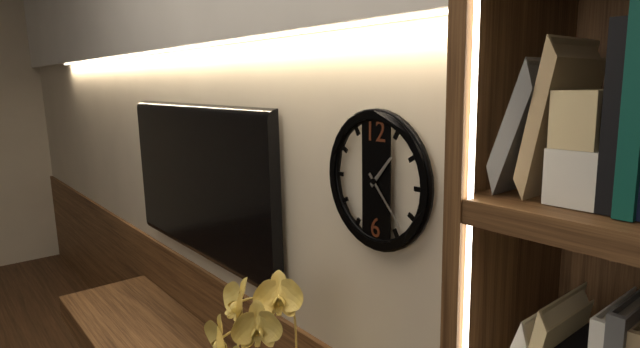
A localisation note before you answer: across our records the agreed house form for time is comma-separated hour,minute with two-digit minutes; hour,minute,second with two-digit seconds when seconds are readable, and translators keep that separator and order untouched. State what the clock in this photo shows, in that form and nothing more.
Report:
1,23
